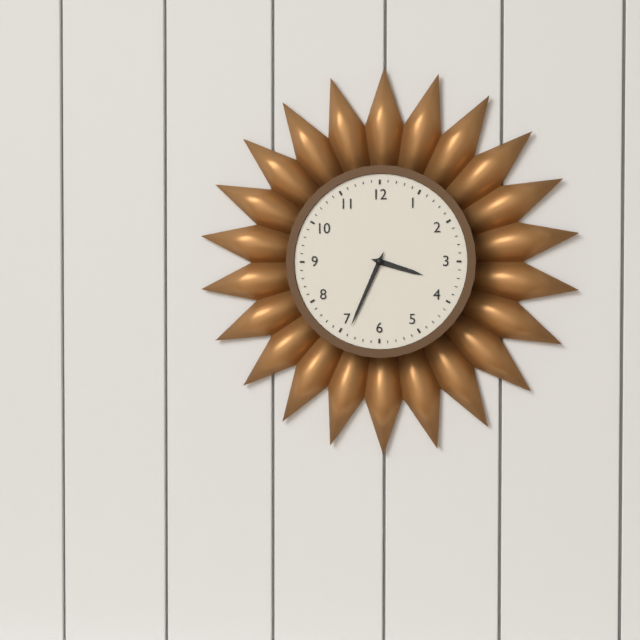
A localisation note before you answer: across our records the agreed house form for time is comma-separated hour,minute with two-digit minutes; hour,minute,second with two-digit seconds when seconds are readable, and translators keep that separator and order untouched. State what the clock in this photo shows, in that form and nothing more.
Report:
3,34
